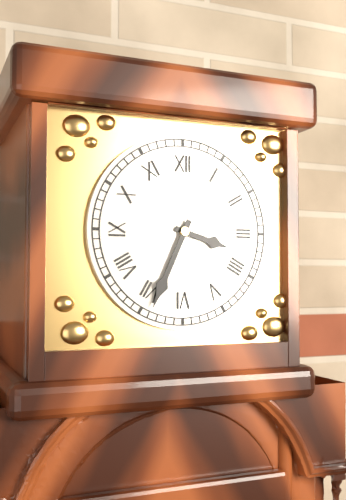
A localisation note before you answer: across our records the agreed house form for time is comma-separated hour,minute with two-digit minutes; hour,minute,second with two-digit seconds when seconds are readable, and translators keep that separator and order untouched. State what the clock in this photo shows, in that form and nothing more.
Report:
3,34
